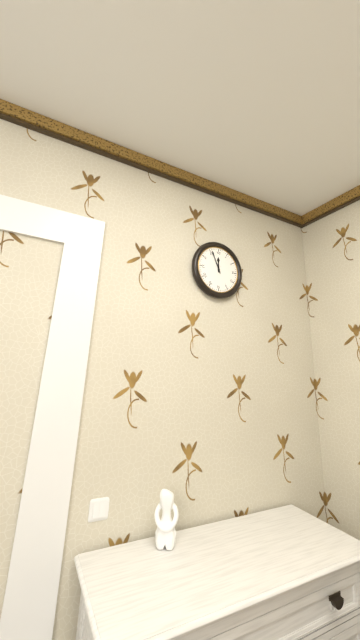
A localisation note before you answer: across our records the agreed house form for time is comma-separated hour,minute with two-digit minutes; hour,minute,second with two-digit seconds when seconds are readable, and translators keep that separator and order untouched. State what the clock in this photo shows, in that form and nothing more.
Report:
11,56
